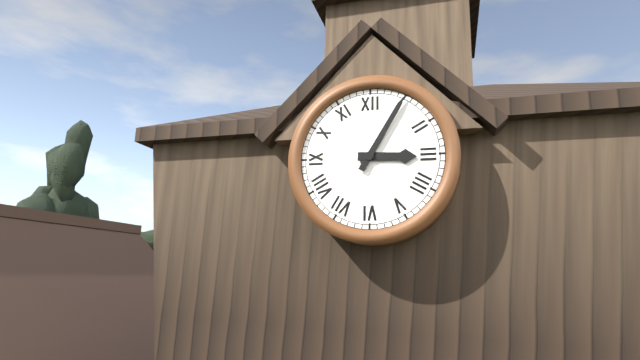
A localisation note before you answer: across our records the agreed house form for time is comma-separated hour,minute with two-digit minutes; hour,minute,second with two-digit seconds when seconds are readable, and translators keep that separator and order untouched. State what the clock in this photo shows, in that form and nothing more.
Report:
3,05
